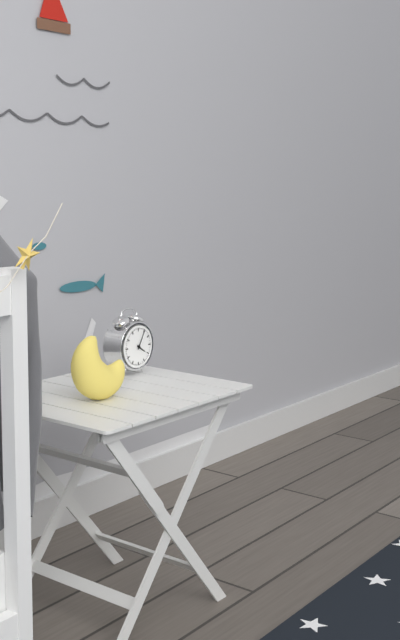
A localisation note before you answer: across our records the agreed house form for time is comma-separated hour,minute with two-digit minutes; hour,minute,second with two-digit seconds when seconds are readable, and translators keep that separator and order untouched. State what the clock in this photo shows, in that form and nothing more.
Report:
4,05
